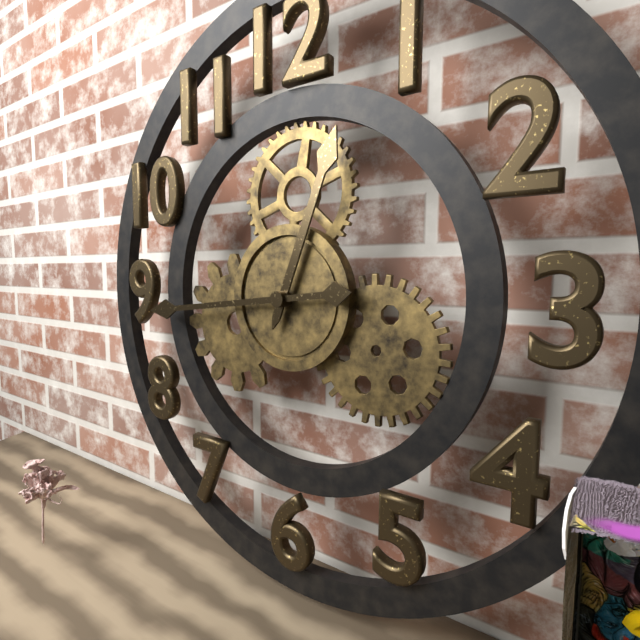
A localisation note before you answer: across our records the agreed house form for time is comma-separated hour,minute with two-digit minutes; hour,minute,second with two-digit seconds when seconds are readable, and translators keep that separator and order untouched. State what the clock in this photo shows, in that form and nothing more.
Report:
12,44
